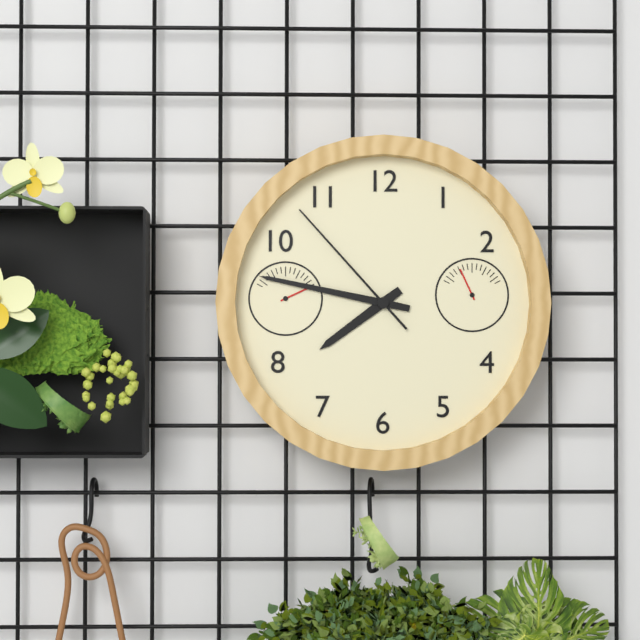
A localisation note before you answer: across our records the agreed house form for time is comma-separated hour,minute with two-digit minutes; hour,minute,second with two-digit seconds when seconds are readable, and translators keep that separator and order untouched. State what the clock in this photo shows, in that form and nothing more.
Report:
7,47,53
